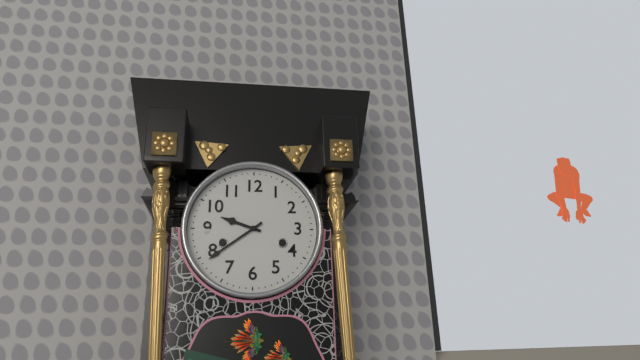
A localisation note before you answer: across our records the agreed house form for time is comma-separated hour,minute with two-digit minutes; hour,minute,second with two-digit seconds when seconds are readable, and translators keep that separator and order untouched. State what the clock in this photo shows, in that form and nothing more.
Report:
9,39
